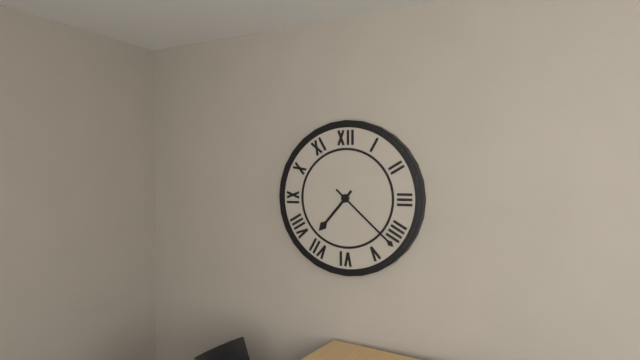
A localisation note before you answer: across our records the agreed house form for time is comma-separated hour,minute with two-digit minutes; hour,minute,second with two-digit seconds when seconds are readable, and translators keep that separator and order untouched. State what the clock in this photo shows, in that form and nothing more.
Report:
7,22
